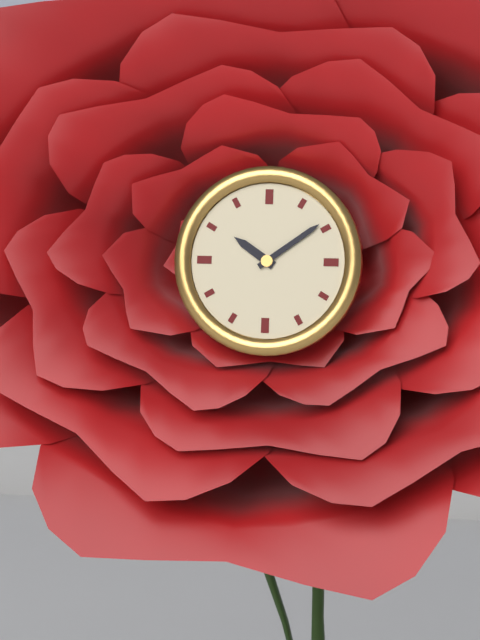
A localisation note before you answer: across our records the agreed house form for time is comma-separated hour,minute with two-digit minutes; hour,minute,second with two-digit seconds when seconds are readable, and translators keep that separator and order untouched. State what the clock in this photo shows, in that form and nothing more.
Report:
10,09
